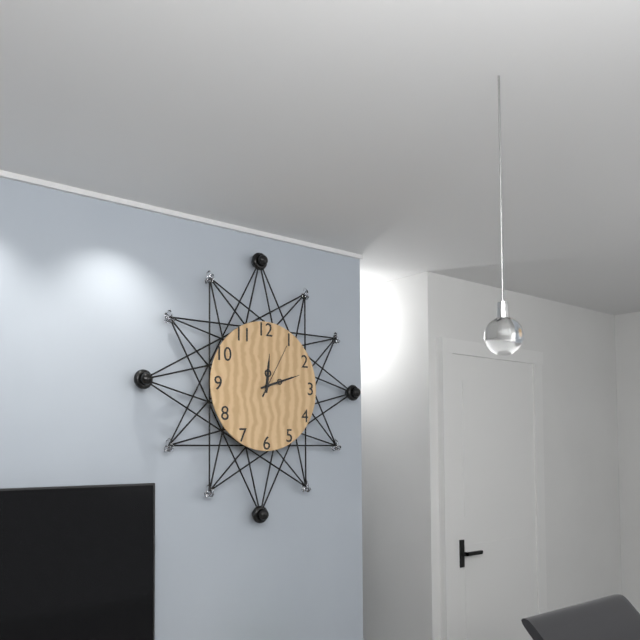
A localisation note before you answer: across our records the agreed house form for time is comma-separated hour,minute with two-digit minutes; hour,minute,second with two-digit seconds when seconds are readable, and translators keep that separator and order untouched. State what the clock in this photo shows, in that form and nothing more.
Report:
12,12,05
